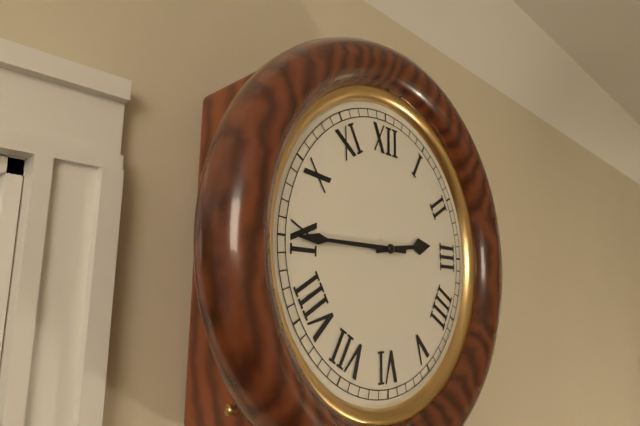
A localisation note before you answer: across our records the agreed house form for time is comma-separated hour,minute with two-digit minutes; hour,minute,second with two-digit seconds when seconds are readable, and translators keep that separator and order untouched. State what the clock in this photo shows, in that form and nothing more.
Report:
2,45
